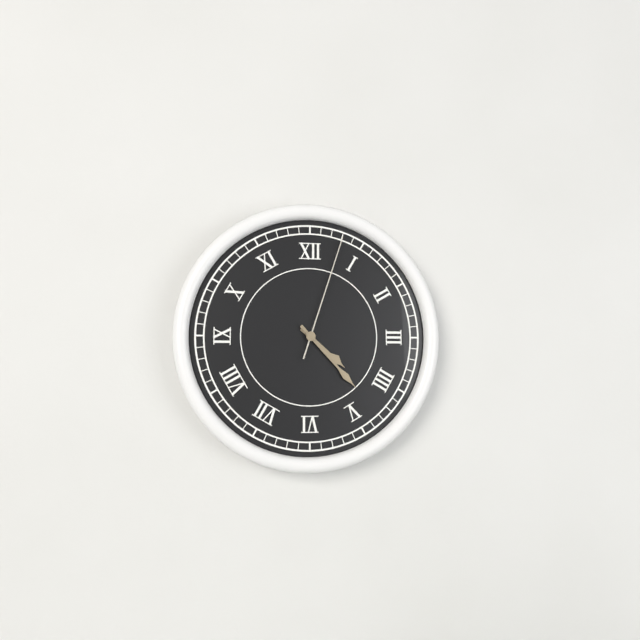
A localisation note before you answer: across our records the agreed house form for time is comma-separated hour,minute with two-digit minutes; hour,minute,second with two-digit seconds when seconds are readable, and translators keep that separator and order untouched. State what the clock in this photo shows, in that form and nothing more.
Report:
4,23,03
